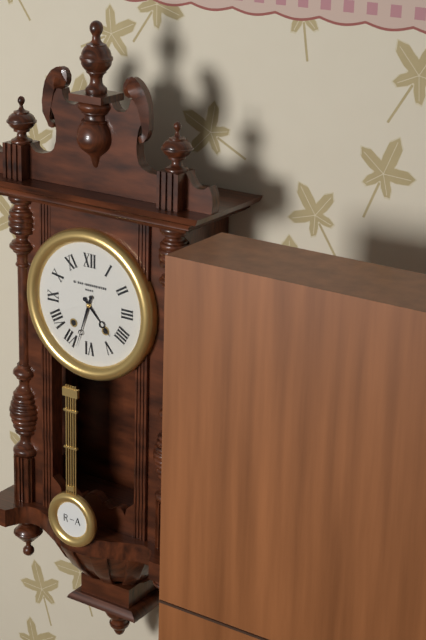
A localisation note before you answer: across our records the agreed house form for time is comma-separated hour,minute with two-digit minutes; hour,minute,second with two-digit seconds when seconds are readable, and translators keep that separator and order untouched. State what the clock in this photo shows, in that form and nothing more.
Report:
4,33
